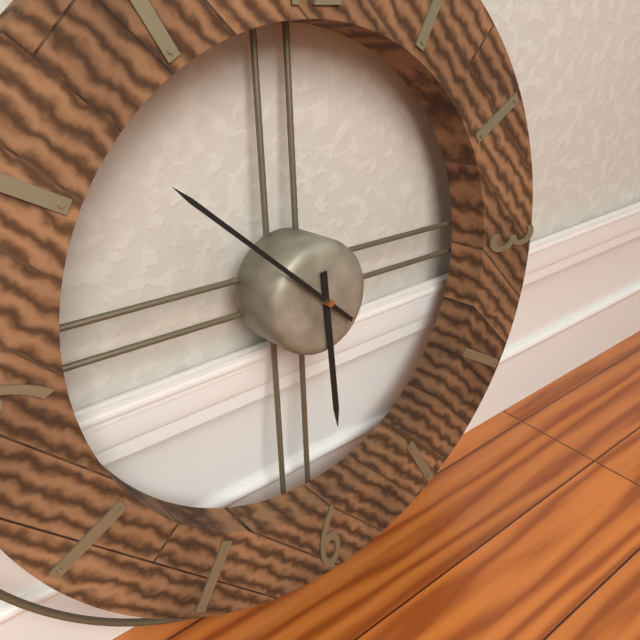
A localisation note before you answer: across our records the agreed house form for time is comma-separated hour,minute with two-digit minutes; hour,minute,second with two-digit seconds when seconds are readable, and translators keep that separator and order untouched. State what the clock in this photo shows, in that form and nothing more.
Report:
5,52
